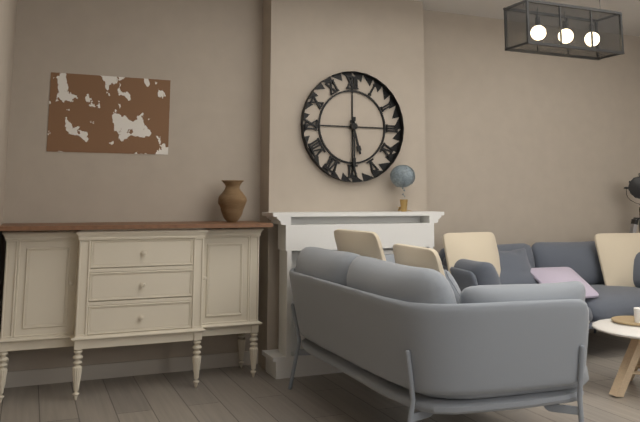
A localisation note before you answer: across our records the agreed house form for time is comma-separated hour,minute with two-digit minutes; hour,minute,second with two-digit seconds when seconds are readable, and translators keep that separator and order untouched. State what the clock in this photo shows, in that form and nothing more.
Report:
5,30
